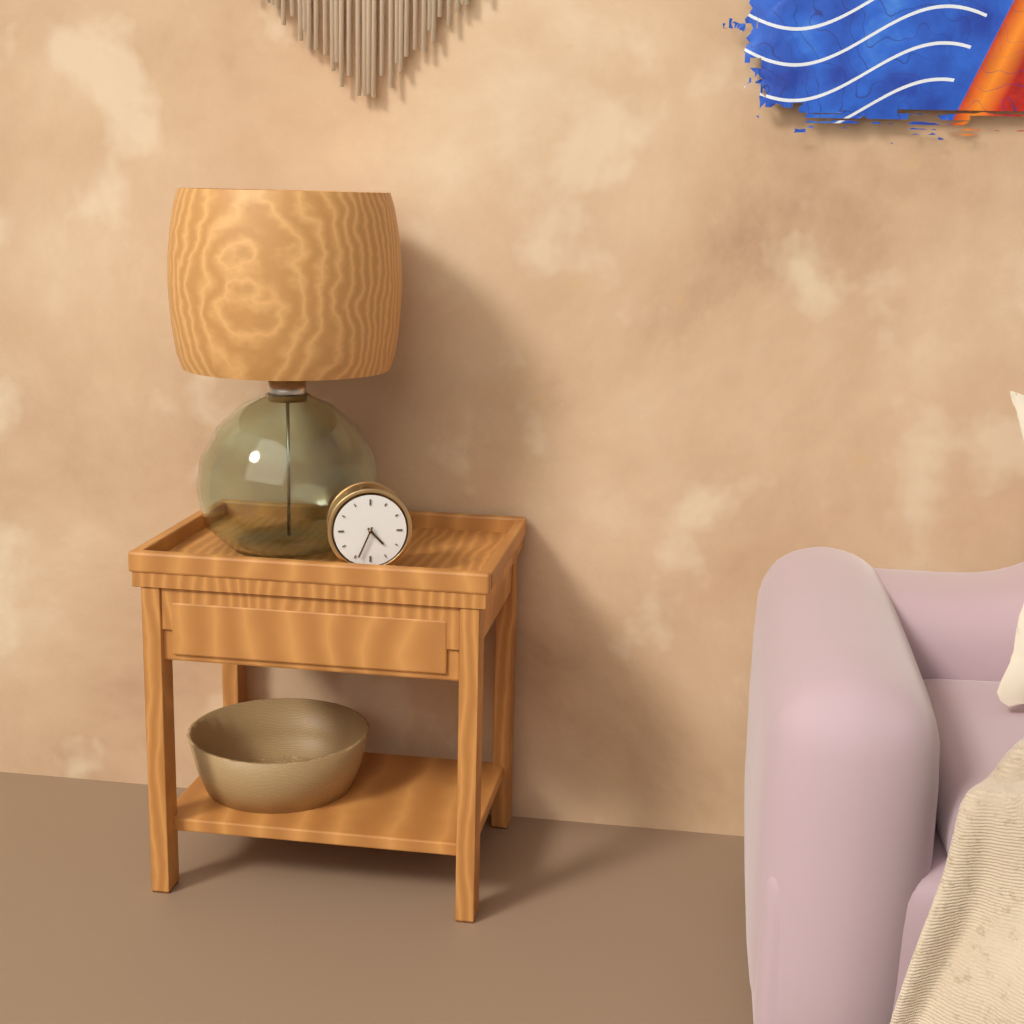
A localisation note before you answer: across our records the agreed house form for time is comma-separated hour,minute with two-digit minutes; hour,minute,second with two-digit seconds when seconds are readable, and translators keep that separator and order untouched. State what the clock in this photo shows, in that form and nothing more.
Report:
4,34
